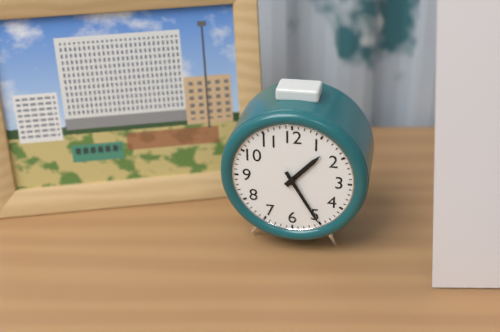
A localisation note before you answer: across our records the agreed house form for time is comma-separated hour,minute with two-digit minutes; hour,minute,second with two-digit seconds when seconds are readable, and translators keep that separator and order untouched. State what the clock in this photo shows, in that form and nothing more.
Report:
1,25
